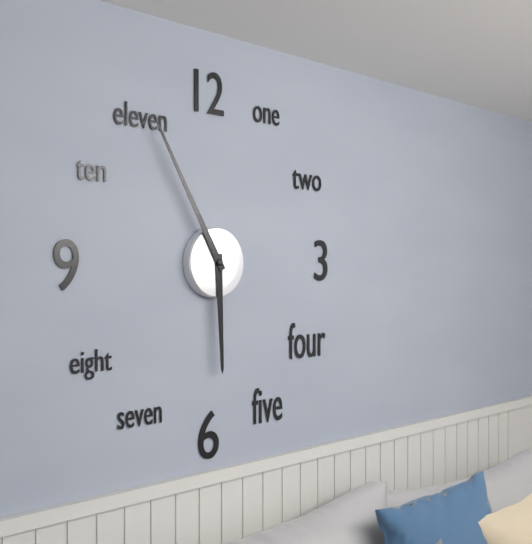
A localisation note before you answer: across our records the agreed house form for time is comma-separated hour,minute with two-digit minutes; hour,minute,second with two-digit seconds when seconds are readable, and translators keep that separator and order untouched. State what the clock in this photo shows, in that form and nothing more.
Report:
5,55
